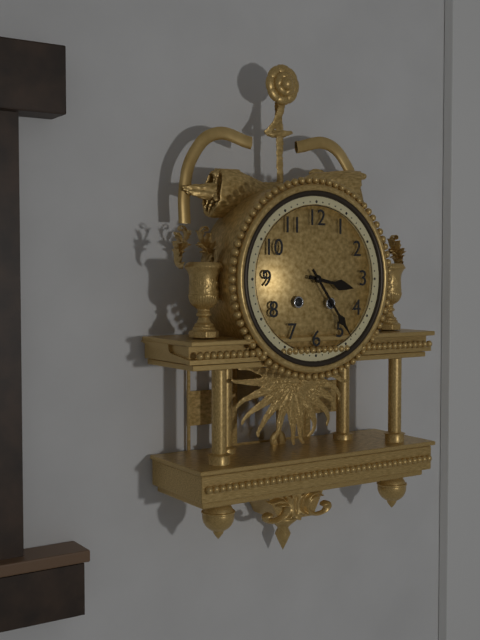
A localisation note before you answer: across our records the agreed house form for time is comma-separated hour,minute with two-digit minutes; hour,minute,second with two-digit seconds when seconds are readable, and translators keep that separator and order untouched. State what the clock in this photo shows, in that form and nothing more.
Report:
3,24
